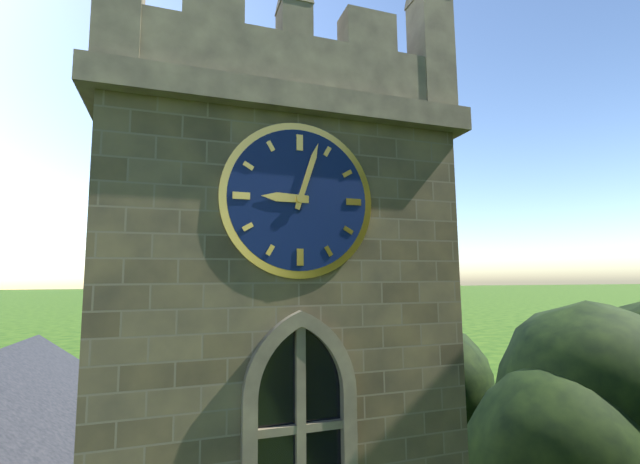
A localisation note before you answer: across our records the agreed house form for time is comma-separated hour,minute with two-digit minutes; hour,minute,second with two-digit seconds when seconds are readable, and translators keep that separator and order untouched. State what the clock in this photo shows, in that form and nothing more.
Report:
9,03
